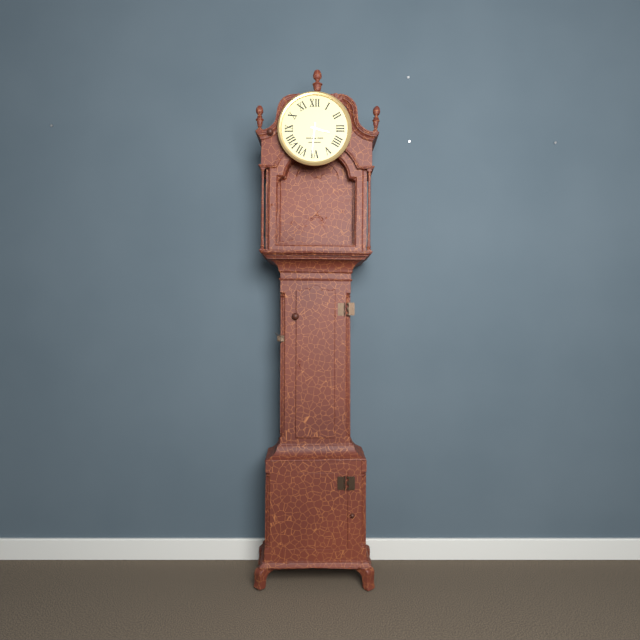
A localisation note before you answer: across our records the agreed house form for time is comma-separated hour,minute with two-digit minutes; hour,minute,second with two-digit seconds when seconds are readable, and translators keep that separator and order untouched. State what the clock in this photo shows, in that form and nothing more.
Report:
3,31
